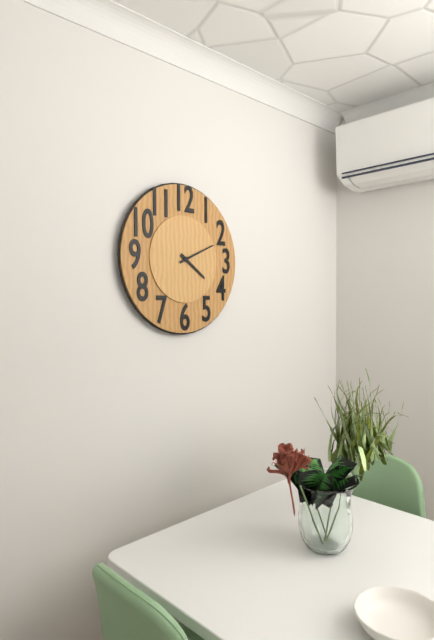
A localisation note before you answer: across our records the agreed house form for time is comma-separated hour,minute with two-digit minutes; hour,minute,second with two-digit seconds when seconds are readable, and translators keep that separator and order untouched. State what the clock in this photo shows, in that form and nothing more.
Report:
4,11
